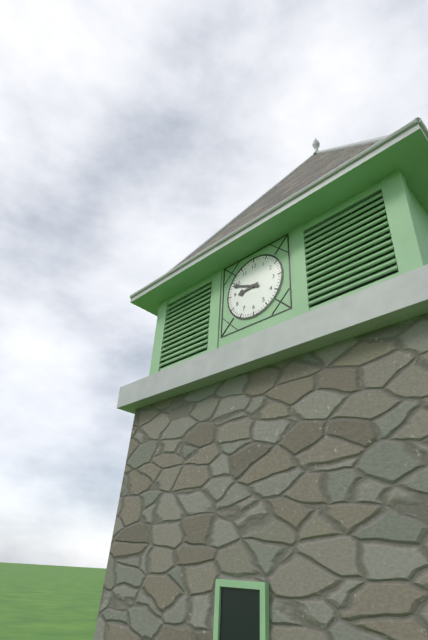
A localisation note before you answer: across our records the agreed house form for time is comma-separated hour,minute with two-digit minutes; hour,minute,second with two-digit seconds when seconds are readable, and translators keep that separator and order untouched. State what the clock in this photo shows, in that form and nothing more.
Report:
8,49
